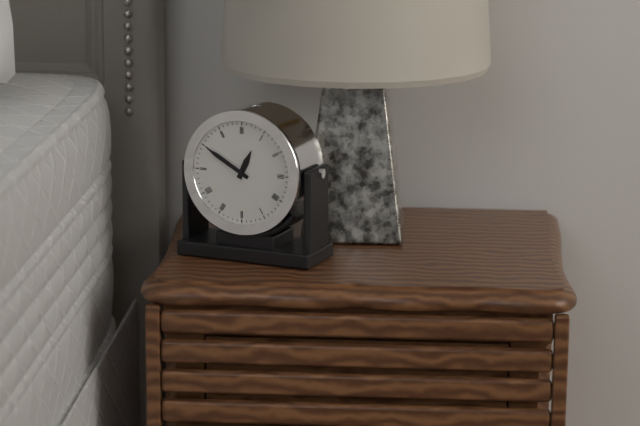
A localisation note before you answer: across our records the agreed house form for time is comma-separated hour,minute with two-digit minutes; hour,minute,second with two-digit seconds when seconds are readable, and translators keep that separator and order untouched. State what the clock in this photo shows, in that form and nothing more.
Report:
12,50
